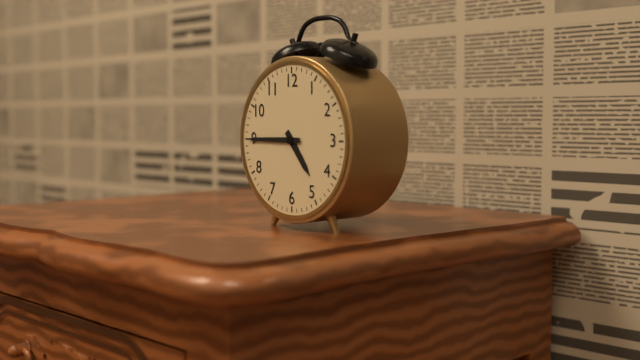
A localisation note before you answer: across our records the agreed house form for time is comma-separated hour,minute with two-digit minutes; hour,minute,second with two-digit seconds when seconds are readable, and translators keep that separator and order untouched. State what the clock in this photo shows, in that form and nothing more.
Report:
4,45
